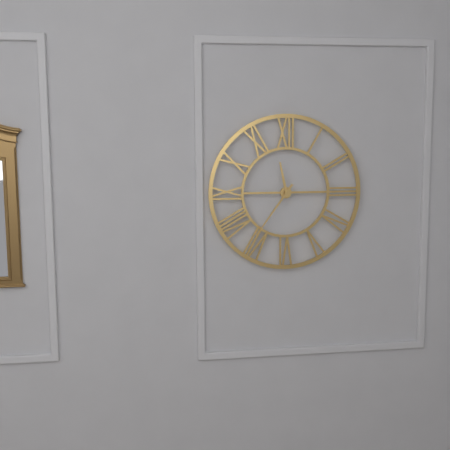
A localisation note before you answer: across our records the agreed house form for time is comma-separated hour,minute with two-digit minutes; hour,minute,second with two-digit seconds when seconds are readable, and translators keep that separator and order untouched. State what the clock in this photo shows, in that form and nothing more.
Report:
11,36
